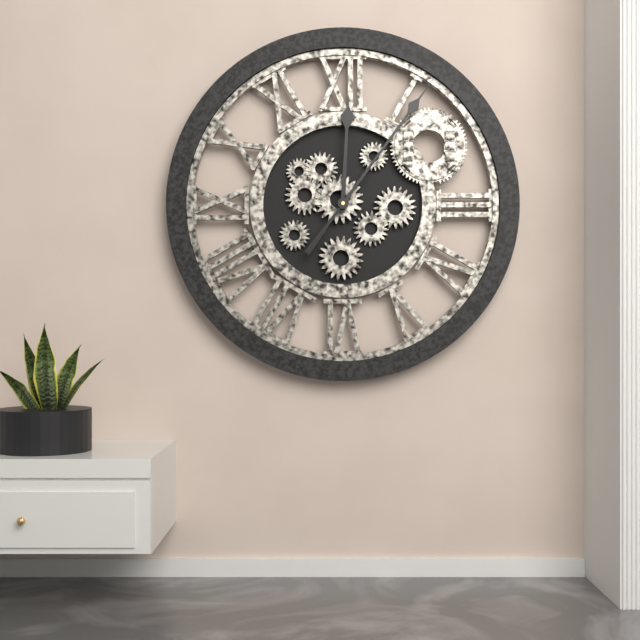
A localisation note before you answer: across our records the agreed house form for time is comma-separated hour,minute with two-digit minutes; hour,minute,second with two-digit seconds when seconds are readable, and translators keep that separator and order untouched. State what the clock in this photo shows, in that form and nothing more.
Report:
12,06
